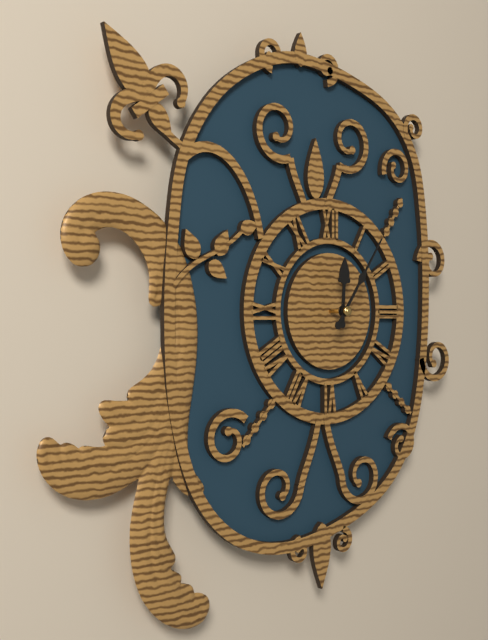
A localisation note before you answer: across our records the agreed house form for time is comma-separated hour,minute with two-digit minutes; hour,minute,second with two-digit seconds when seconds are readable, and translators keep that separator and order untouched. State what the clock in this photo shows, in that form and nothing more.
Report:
12,06
